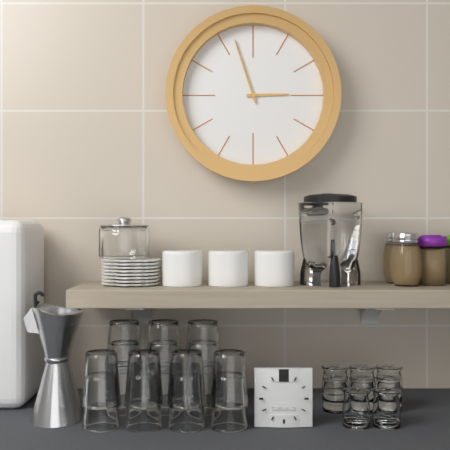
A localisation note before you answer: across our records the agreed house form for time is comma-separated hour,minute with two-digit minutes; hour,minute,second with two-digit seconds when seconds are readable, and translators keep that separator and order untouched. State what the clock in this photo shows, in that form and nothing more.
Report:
2,57
